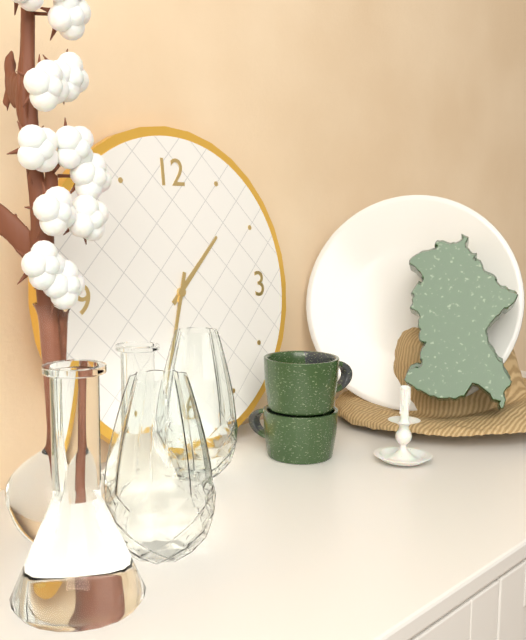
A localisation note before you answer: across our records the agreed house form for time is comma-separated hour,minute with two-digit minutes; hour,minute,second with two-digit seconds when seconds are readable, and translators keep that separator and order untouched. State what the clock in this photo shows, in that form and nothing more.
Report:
1,33
